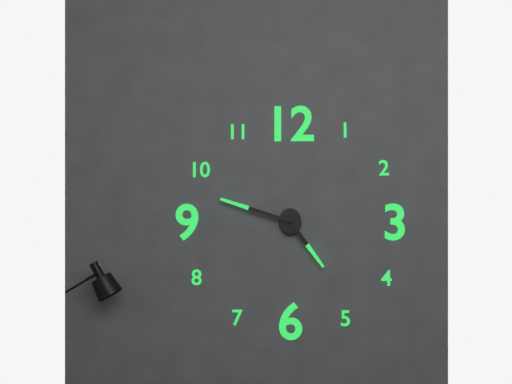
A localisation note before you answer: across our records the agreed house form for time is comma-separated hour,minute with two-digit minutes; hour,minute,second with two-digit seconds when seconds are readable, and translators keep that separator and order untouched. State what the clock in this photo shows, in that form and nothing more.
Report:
4,48
